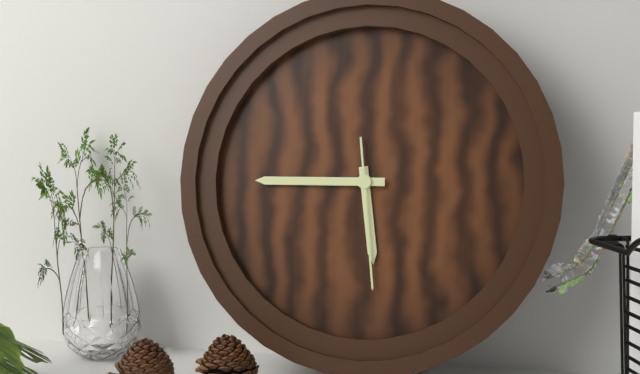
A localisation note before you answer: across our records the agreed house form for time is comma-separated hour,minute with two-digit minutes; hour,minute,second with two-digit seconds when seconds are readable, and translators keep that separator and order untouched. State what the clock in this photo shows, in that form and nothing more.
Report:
5,45,29
